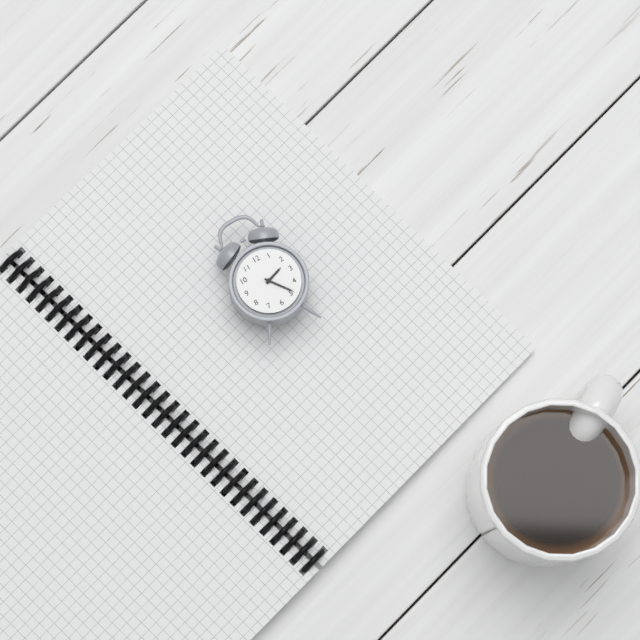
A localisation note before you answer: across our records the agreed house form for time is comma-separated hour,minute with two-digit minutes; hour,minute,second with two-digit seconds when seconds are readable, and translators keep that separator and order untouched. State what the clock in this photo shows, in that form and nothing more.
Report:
2,24
